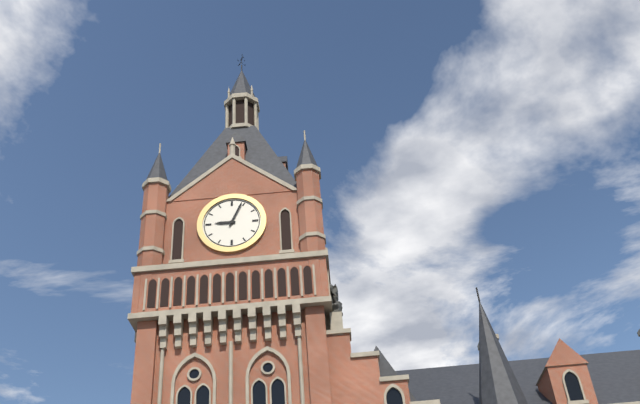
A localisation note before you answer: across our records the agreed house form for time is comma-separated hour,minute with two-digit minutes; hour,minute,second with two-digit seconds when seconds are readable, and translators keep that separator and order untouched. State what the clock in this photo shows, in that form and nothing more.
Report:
9,04
